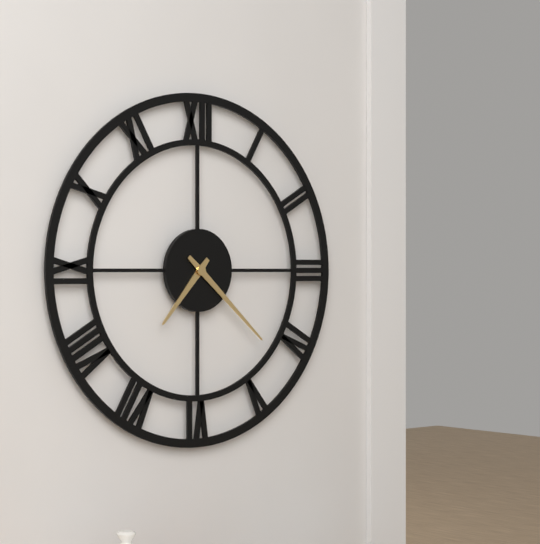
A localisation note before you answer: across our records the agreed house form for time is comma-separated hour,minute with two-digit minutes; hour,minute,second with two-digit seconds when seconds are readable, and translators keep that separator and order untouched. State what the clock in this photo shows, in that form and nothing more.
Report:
7,22
